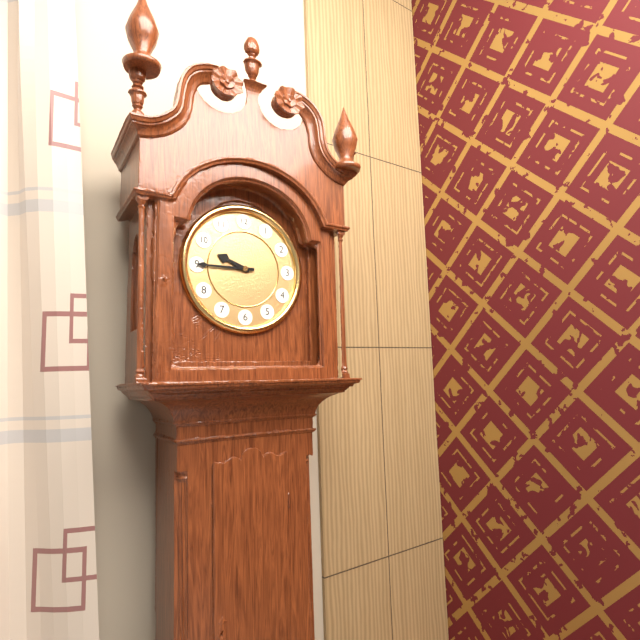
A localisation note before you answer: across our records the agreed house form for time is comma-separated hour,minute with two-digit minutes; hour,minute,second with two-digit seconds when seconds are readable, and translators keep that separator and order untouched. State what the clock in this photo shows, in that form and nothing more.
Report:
9,45
